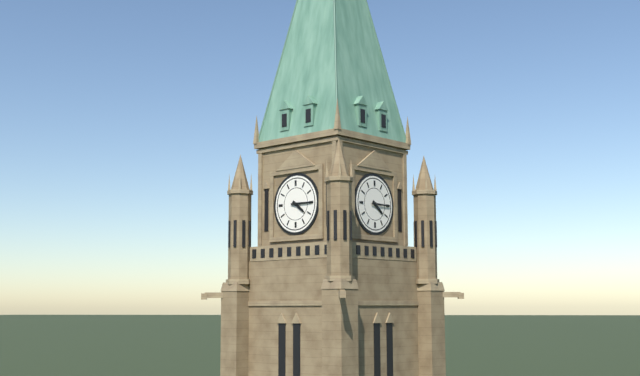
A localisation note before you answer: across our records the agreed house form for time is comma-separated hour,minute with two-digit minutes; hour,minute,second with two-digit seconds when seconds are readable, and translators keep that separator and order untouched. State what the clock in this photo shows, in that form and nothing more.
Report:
4,15
